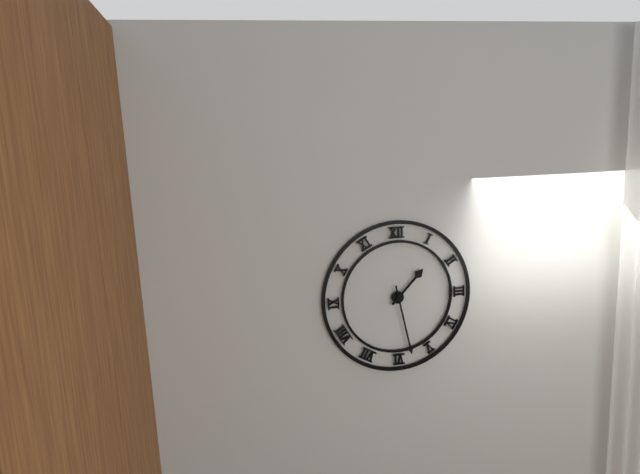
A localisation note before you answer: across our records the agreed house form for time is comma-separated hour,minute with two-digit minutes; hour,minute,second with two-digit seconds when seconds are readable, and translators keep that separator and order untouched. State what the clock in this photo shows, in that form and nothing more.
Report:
1,28
